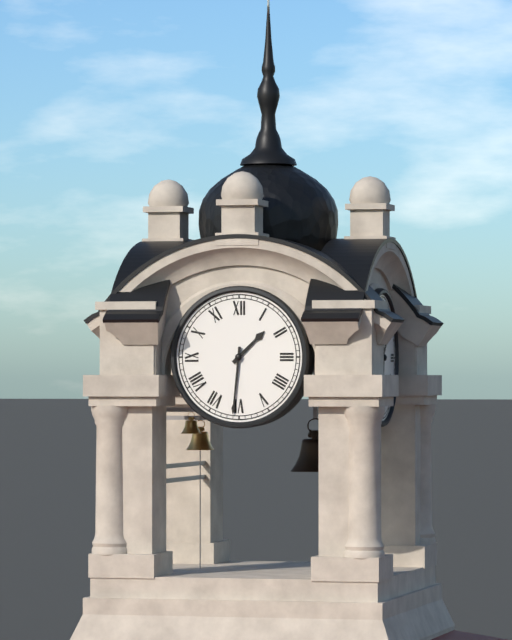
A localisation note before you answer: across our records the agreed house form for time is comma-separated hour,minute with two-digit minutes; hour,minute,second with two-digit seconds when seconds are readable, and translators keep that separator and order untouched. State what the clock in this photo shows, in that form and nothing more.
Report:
1,31
